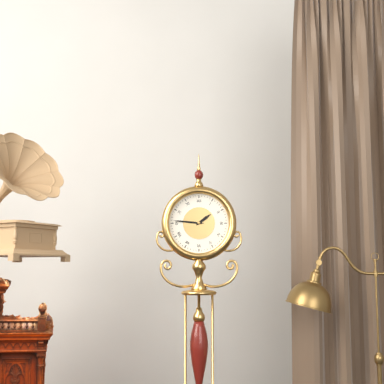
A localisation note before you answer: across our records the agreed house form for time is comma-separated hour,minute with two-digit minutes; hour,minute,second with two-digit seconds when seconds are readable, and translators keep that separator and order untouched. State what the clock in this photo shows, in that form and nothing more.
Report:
1,46
